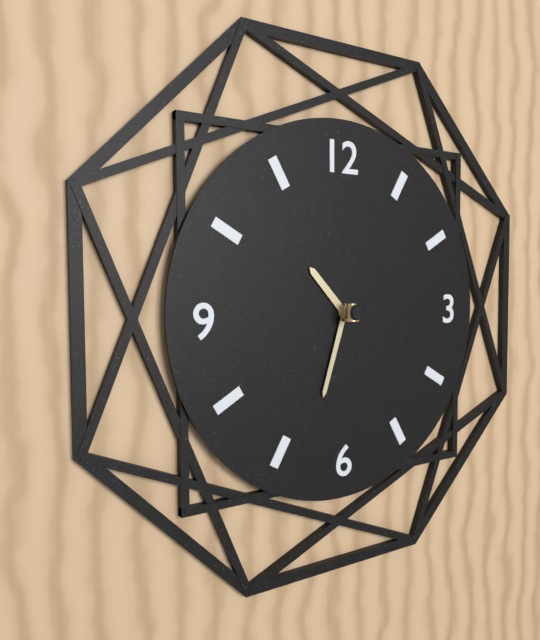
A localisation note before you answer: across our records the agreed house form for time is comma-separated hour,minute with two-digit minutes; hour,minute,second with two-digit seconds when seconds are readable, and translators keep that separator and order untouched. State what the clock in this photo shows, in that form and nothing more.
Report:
10,33
